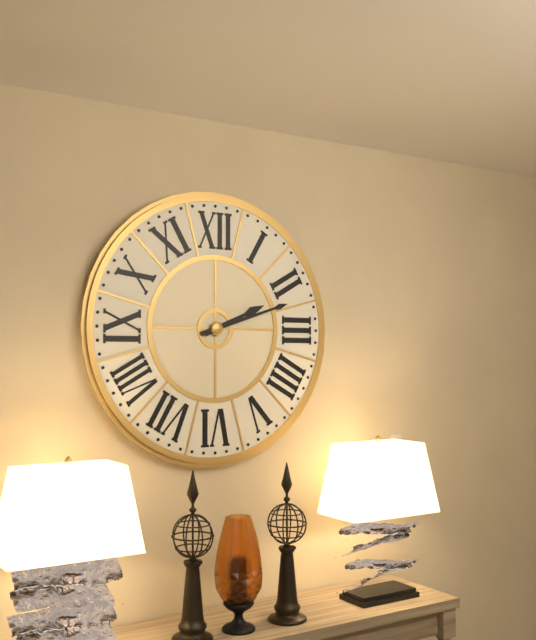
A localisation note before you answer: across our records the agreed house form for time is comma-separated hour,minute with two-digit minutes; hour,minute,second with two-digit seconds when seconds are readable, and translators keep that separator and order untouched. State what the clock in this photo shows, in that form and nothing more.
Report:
2,12
